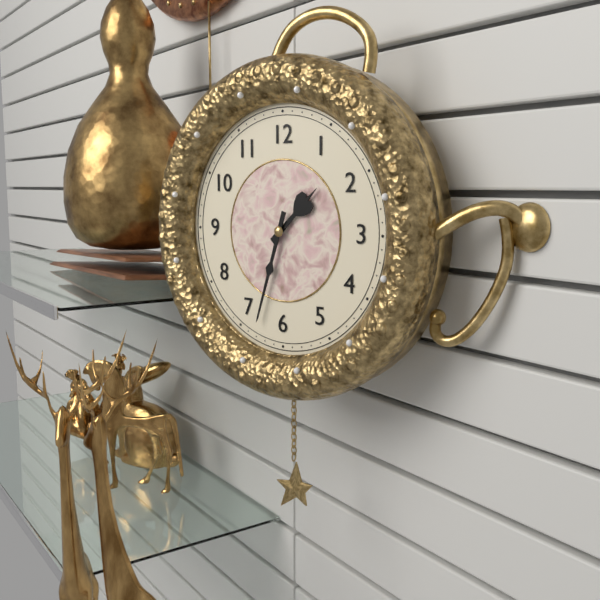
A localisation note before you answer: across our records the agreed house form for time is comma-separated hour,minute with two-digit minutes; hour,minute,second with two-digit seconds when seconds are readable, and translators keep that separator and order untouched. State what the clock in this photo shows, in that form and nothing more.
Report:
1,33
